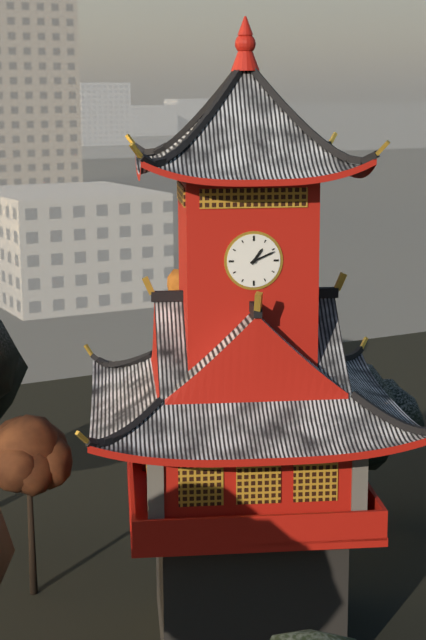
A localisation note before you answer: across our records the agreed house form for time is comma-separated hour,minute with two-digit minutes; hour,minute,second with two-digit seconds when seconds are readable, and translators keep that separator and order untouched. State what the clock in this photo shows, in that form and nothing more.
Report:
1,11
